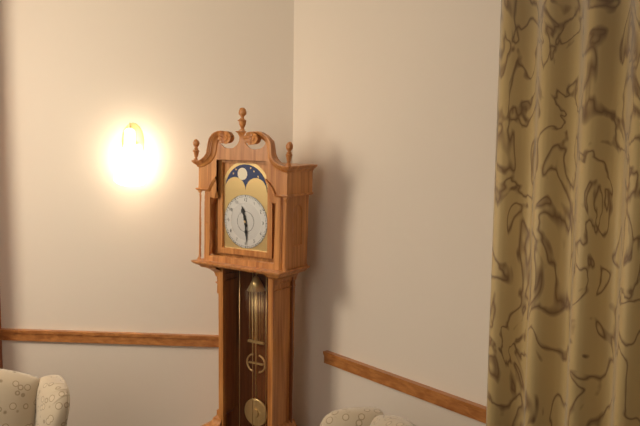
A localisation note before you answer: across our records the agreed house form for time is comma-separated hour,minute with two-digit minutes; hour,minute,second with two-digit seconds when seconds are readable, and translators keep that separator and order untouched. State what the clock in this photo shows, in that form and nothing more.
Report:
11,29
